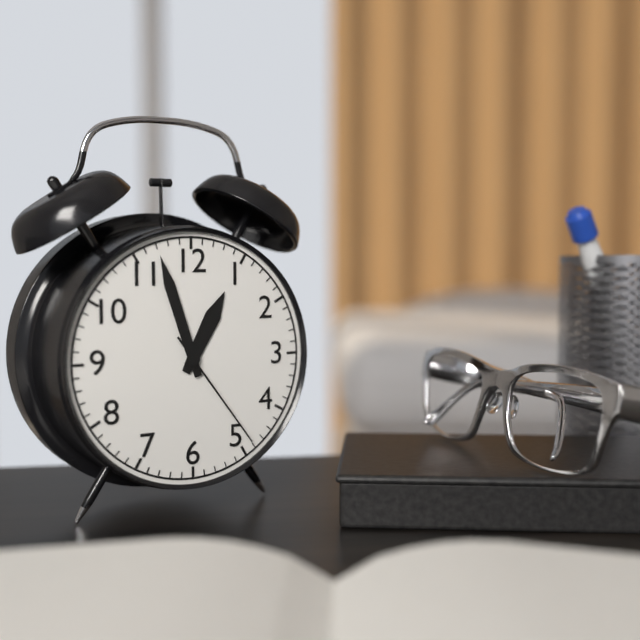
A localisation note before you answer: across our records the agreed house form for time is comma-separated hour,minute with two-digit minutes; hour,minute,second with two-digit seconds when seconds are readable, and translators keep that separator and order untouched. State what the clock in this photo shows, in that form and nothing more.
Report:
12,57,24
